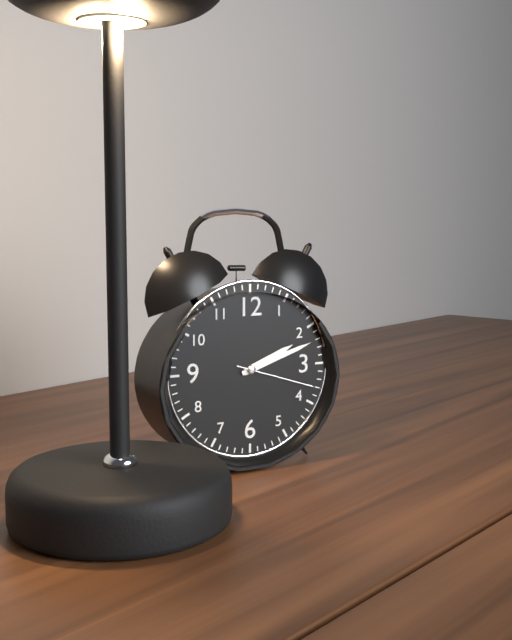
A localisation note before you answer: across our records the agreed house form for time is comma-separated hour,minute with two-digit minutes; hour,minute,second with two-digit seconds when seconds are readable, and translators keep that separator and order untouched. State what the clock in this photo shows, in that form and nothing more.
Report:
2,12,18
